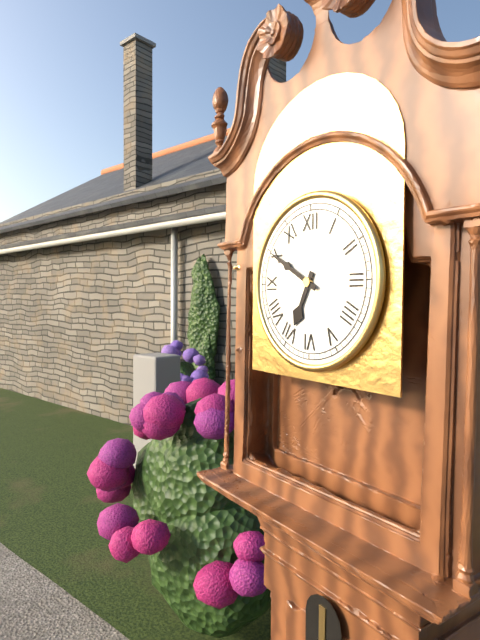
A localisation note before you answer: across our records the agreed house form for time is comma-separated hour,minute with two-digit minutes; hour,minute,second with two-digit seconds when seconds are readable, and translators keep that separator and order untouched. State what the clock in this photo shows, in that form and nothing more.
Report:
6,50
